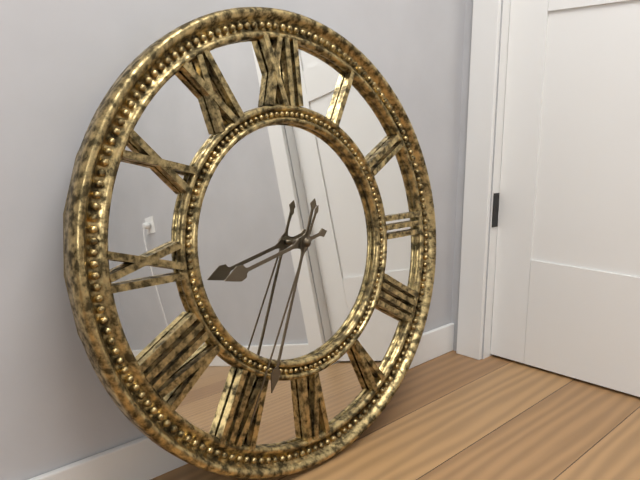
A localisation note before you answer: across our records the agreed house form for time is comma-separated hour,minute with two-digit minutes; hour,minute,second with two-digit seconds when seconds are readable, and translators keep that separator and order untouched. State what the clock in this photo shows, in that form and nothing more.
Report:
8,34,35
